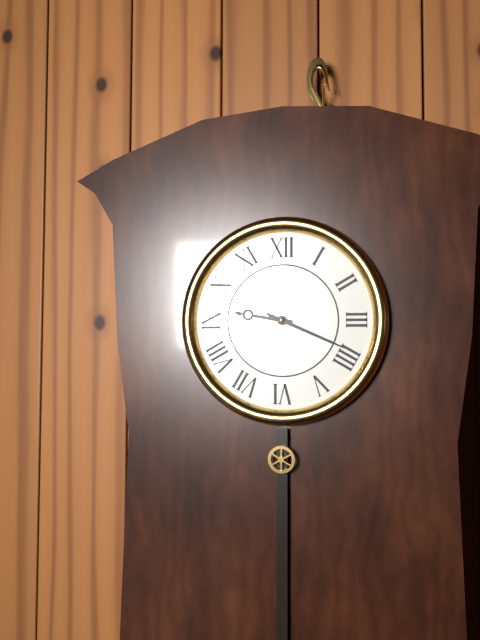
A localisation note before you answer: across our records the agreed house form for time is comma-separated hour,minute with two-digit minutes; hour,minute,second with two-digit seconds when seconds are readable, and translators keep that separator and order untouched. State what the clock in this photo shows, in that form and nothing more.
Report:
9,19
